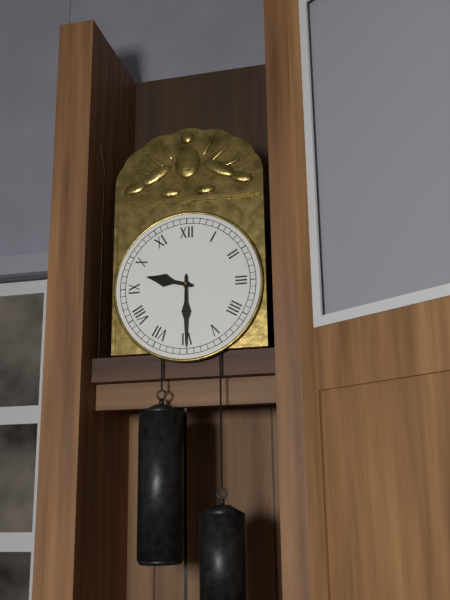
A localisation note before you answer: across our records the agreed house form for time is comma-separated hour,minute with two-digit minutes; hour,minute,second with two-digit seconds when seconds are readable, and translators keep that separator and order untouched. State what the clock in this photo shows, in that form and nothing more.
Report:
9,30
